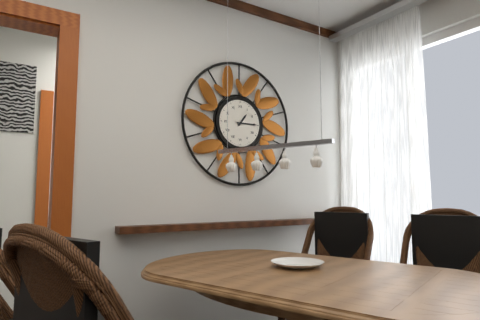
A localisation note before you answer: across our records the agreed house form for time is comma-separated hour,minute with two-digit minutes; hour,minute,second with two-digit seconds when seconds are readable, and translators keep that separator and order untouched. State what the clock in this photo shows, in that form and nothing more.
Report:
1,15
